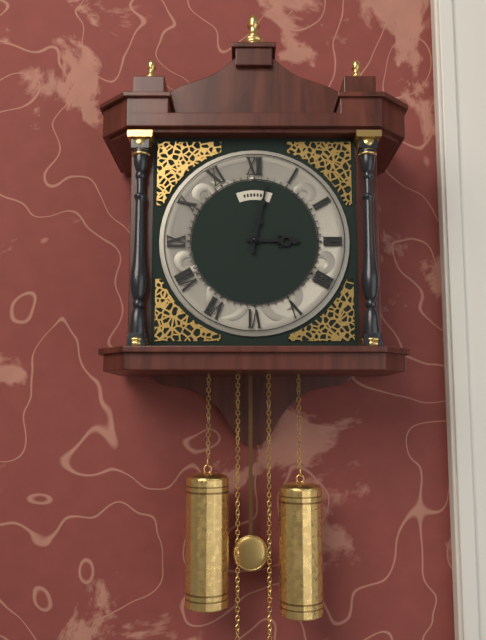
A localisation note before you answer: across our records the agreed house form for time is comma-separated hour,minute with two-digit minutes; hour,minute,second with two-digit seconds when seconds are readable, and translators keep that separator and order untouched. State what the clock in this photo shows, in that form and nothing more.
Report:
3,02
